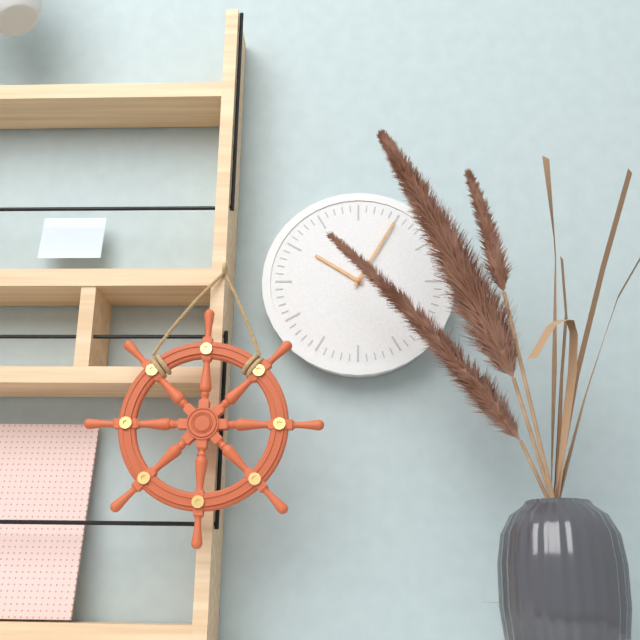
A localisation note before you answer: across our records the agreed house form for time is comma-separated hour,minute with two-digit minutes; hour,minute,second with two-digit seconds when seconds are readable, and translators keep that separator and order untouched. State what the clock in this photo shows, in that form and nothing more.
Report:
10,05
